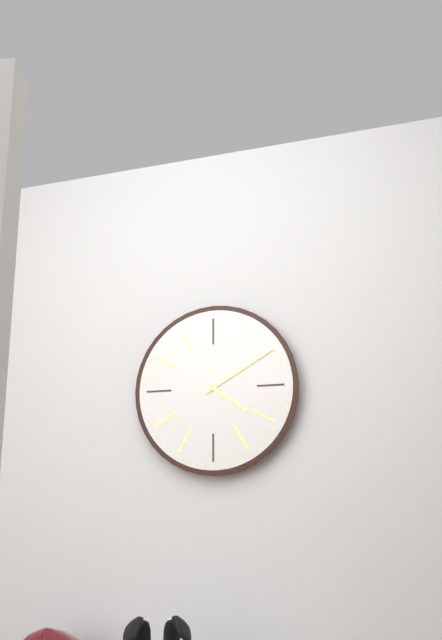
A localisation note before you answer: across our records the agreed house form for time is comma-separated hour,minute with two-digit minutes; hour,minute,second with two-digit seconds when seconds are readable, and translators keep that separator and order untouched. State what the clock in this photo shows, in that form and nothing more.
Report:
4,10
